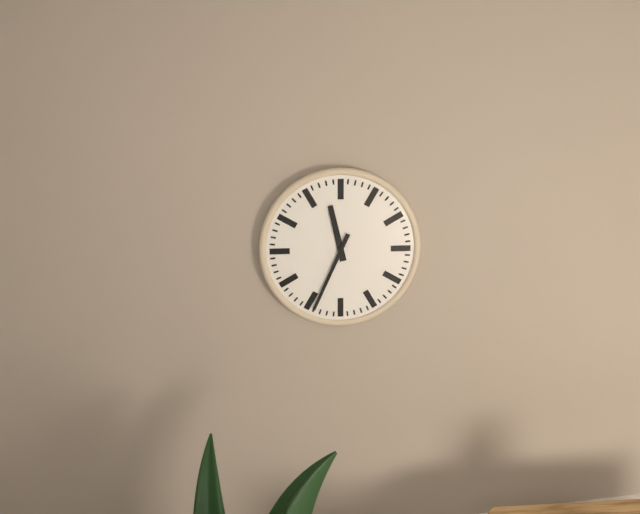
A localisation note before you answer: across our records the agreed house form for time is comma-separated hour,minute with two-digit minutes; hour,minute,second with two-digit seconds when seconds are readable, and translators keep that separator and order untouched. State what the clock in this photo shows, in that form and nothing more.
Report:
11,34
